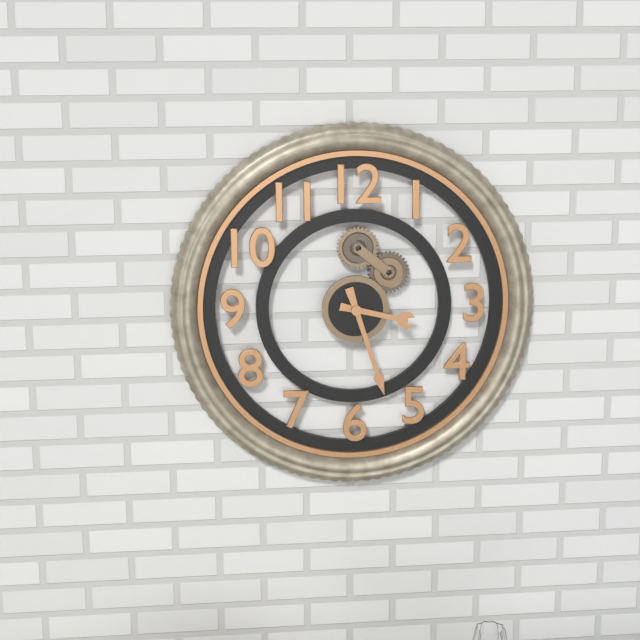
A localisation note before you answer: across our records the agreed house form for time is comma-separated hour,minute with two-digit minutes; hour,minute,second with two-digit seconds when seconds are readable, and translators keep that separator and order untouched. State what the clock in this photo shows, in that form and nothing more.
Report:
3,27
